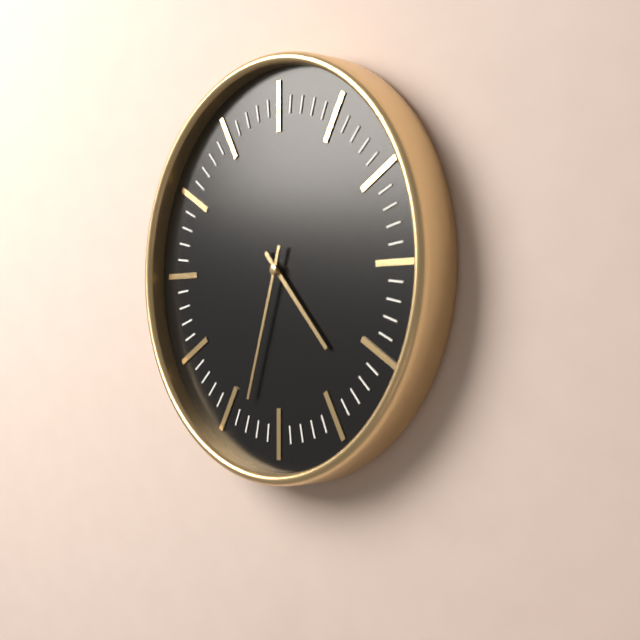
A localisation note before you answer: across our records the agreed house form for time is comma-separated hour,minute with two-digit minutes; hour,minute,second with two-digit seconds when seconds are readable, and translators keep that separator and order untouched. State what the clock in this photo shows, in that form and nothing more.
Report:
4,33
